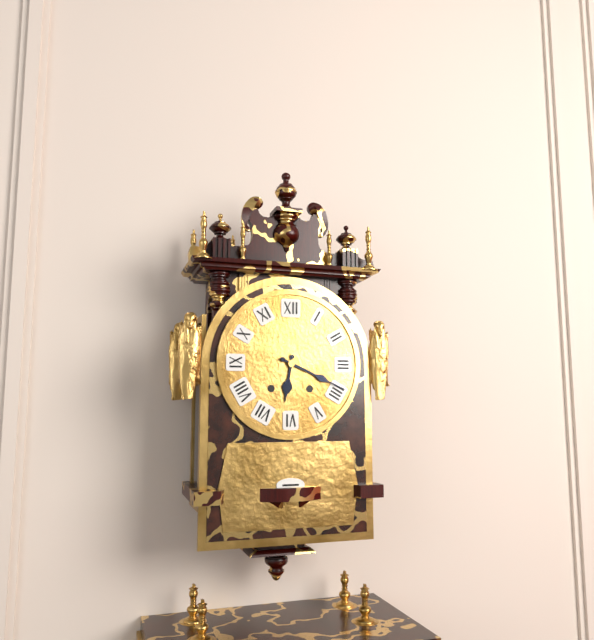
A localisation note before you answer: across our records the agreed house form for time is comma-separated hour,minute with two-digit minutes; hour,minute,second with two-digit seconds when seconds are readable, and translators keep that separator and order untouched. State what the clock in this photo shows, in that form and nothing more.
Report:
6,19
